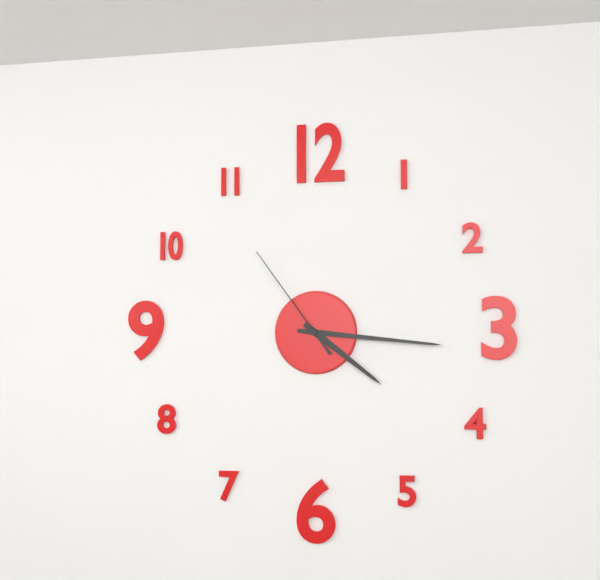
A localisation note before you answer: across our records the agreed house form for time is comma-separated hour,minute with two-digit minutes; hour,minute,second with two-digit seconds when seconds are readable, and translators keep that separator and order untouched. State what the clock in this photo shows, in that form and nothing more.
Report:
4,16,54
